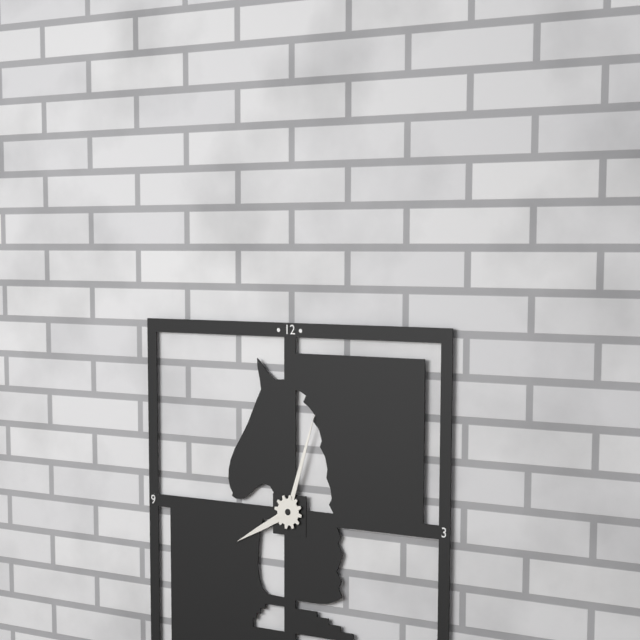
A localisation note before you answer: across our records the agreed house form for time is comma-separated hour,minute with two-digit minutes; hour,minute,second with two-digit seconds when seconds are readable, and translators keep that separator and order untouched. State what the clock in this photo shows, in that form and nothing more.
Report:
8,03
